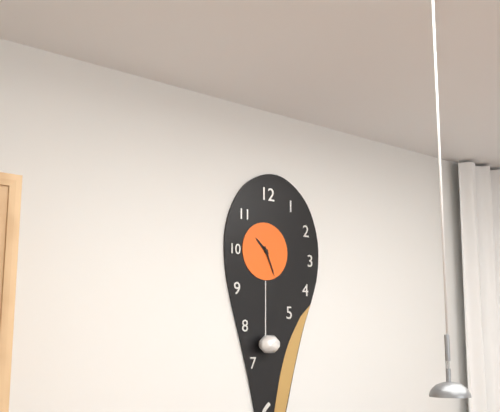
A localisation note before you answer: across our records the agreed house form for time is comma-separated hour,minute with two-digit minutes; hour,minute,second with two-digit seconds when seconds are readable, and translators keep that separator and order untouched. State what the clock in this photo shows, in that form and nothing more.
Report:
10,26
